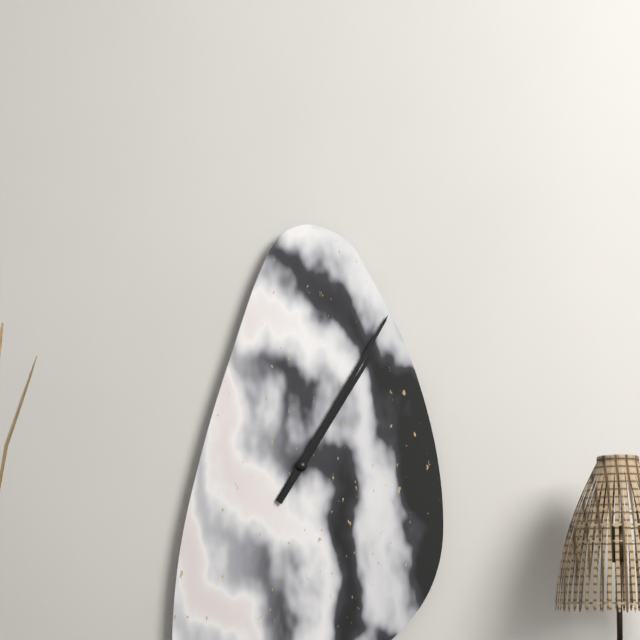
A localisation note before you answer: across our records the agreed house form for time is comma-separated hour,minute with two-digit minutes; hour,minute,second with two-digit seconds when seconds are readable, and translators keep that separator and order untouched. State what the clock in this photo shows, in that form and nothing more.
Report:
1,05
